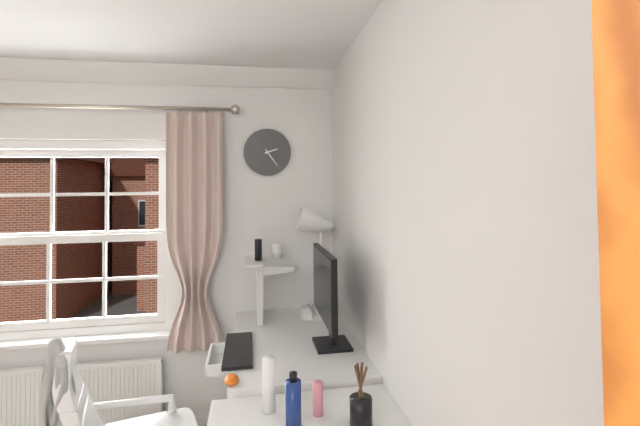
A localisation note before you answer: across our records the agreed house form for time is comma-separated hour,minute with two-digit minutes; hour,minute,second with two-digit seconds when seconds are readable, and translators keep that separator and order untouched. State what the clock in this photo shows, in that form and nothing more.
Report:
2,24
